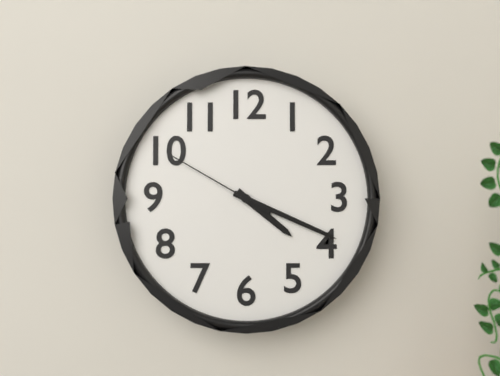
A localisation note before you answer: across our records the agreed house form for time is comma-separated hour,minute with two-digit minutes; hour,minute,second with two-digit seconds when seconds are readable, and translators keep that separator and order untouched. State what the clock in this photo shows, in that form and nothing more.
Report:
4,19,50
